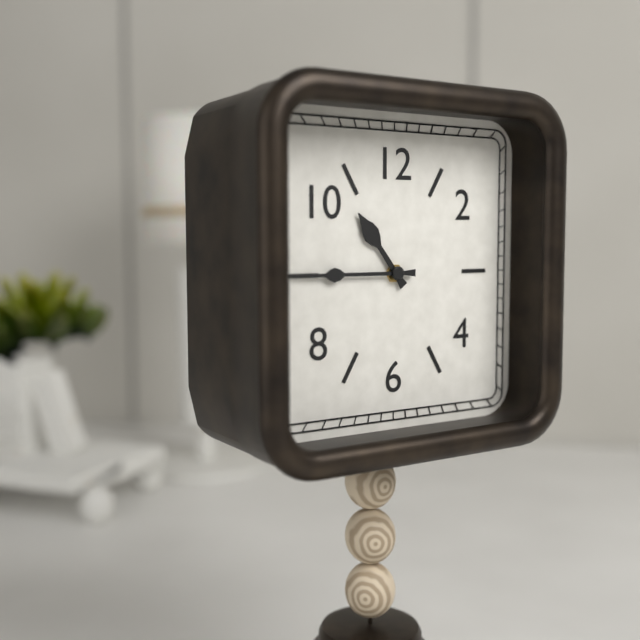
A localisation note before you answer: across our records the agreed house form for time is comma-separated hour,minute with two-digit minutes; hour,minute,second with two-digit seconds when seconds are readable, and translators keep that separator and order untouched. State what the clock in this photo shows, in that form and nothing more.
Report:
10,45
